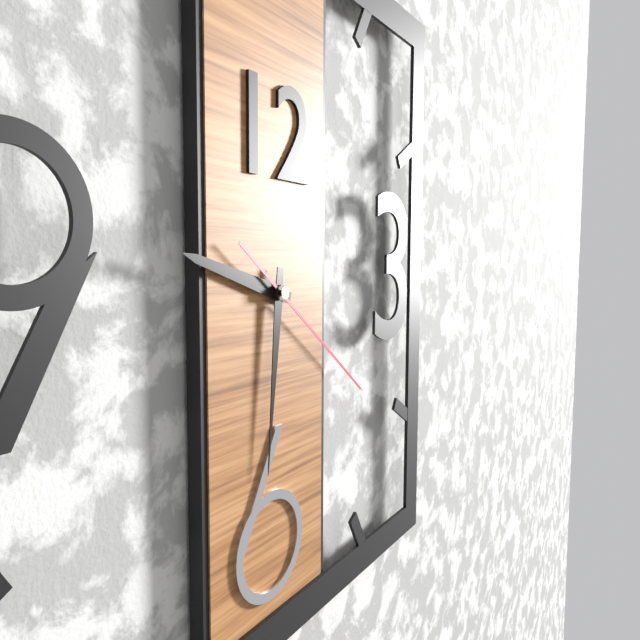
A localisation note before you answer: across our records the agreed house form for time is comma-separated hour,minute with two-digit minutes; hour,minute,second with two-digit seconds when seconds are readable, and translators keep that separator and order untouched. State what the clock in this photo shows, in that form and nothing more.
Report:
9,31,21
